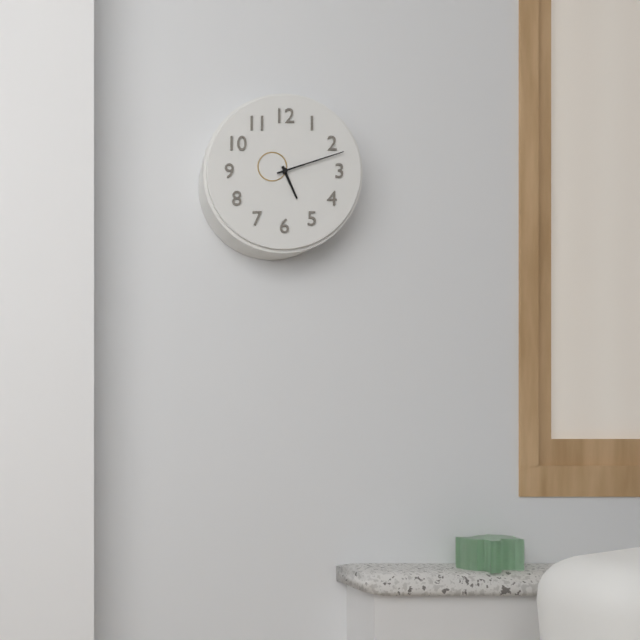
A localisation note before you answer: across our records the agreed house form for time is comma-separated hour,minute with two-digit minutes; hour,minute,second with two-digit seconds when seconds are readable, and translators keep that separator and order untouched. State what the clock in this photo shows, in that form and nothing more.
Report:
5,12
